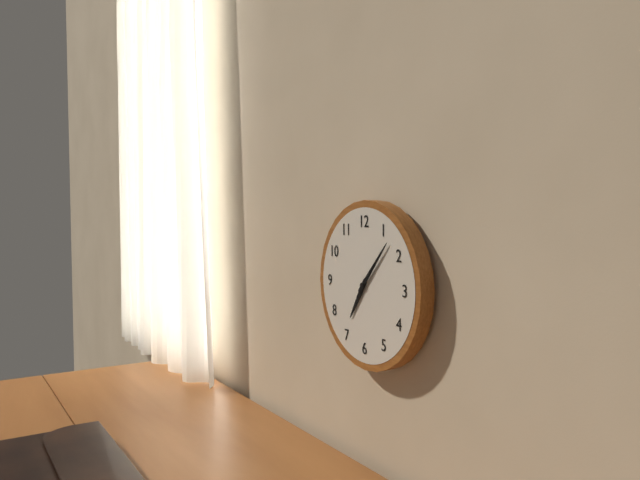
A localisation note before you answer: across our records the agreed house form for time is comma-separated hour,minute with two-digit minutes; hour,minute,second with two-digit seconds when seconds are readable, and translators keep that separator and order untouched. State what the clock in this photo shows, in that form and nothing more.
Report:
7,07
